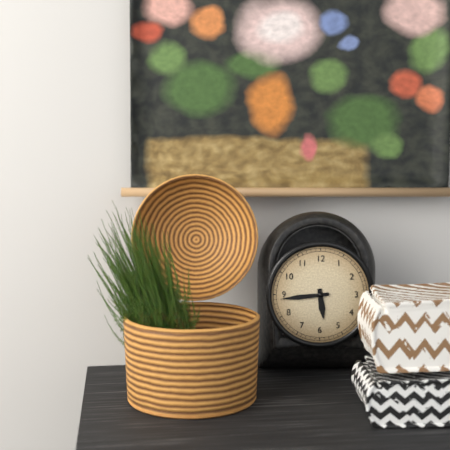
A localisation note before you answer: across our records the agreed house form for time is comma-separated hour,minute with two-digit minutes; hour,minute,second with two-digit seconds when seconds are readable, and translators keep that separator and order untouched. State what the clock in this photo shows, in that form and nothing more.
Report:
5,44
